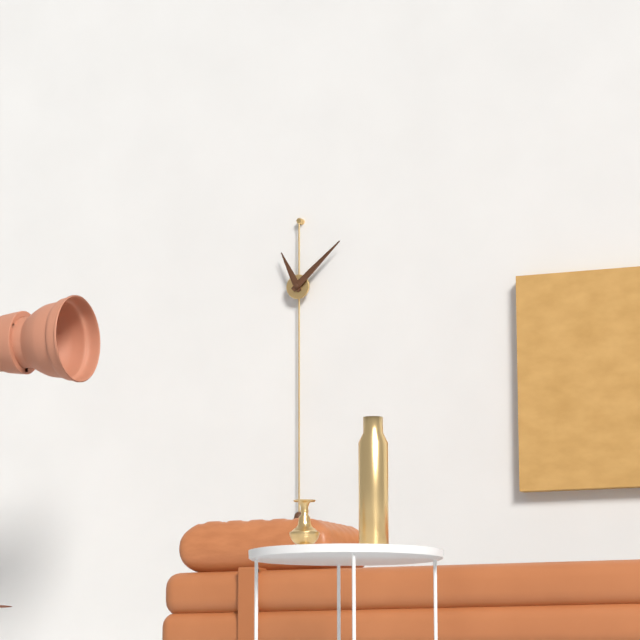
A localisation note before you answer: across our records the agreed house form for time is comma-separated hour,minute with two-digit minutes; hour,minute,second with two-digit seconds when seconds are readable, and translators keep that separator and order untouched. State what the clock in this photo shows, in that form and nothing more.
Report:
11,08
